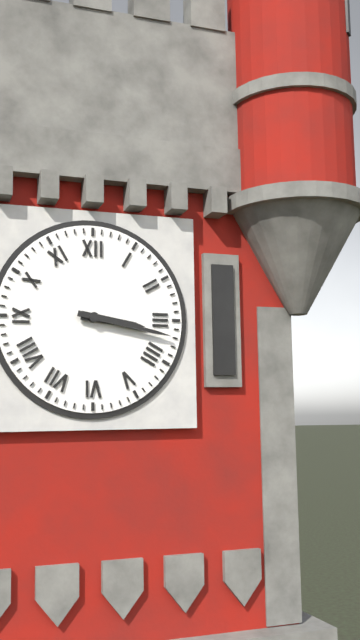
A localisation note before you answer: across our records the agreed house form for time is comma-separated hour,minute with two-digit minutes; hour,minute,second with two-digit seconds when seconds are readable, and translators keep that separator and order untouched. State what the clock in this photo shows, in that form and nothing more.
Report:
3,17
